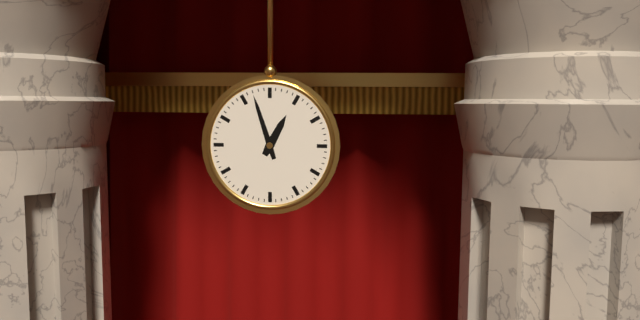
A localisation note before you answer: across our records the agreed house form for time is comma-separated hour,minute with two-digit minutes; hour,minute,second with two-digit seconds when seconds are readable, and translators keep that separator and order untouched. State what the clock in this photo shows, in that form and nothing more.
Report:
12,57
